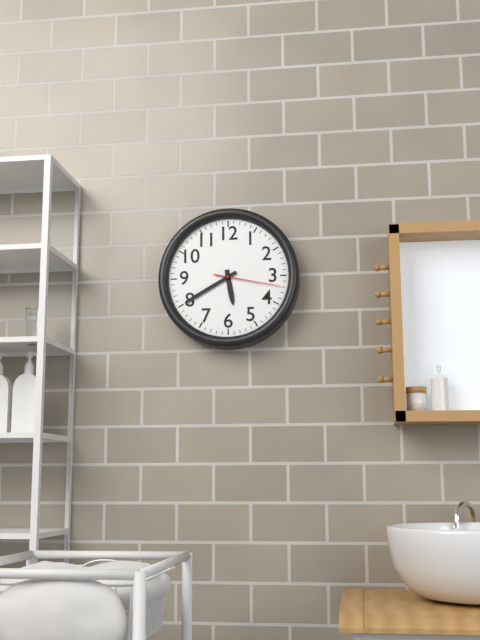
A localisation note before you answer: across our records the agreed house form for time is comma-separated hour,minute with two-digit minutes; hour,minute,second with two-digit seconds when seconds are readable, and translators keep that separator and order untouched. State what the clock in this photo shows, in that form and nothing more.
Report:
5,40,17
